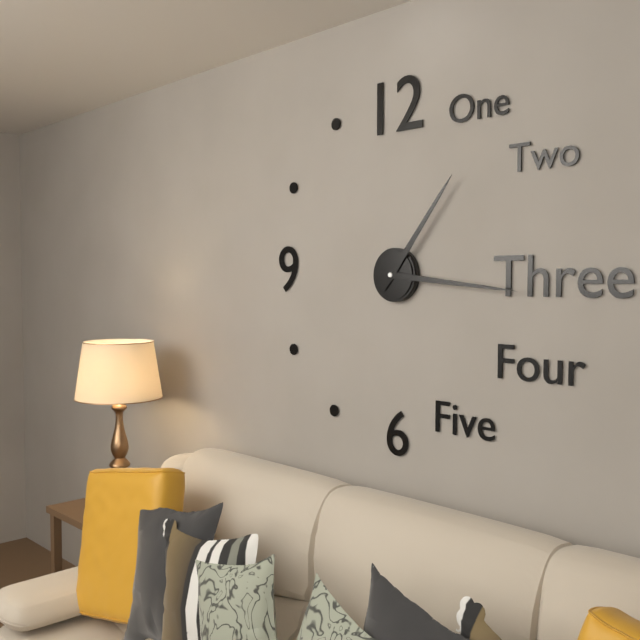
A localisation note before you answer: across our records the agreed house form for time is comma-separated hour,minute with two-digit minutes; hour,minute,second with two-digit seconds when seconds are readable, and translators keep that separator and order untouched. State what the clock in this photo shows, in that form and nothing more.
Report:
1,16
